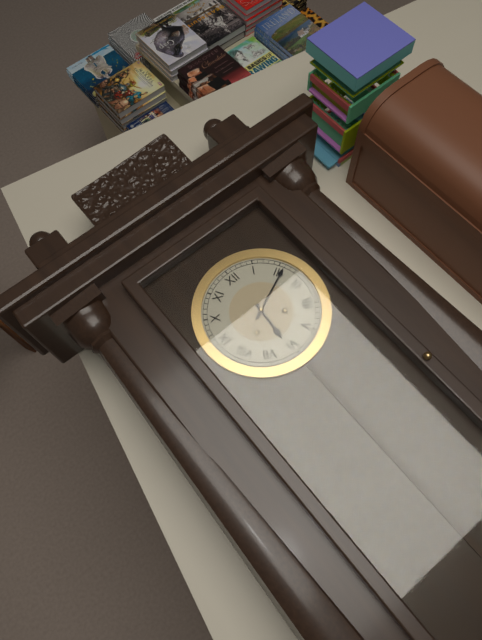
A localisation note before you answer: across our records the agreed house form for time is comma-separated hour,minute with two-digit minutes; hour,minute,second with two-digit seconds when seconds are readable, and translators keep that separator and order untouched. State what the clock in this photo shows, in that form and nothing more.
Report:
6,11
